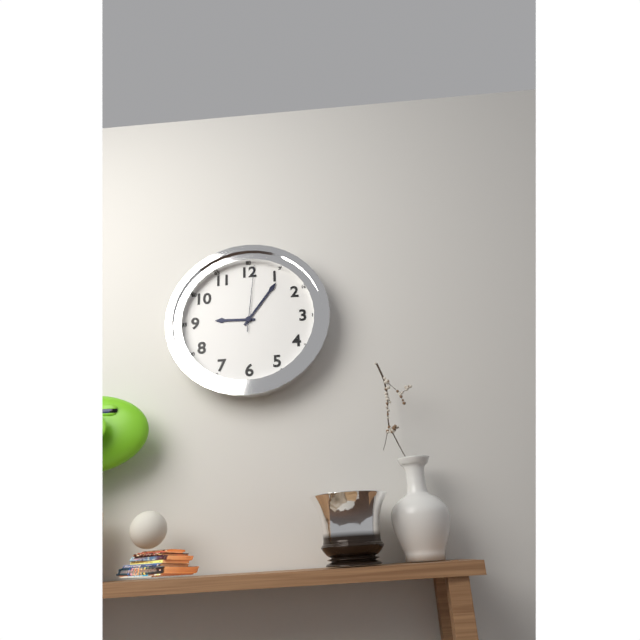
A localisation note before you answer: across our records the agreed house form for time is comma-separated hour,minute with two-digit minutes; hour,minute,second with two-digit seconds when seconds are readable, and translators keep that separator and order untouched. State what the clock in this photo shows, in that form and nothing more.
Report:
9,06,01
